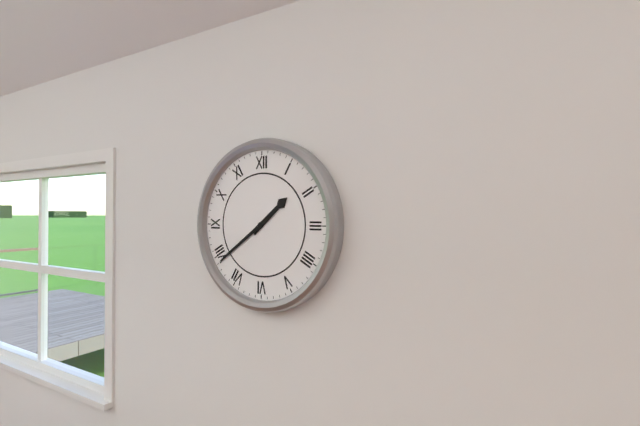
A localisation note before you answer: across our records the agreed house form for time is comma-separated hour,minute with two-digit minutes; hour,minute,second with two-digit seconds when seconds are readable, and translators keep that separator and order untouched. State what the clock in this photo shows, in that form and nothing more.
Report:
1,39
